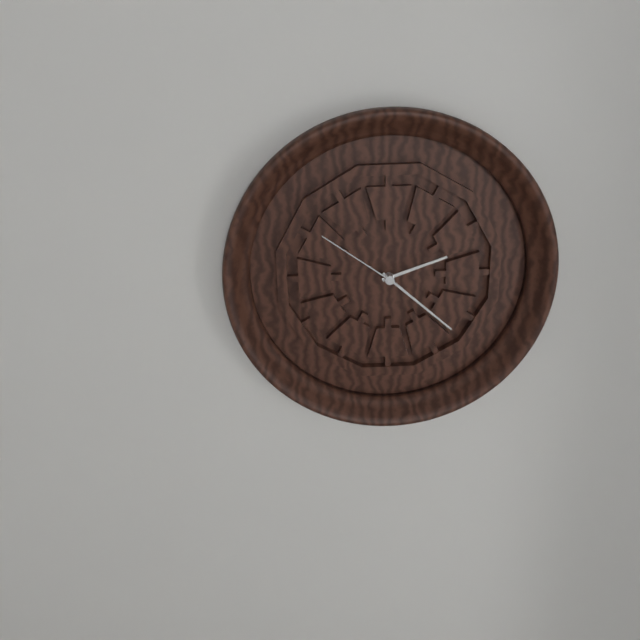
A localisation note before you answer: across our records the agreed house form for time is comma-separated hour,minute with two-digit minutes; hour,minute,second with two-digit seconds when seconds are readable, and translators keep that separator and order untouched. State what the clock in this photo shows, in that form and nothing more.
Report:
2,22,51
